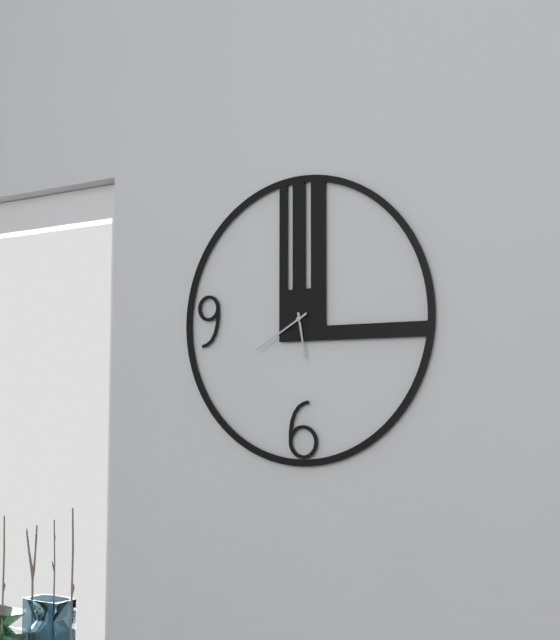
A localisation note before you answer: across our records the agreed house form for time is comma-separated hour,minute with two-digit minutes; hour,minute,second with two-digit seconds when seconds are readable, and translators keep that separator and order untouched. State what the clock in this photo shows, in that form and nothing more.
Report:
5,40
